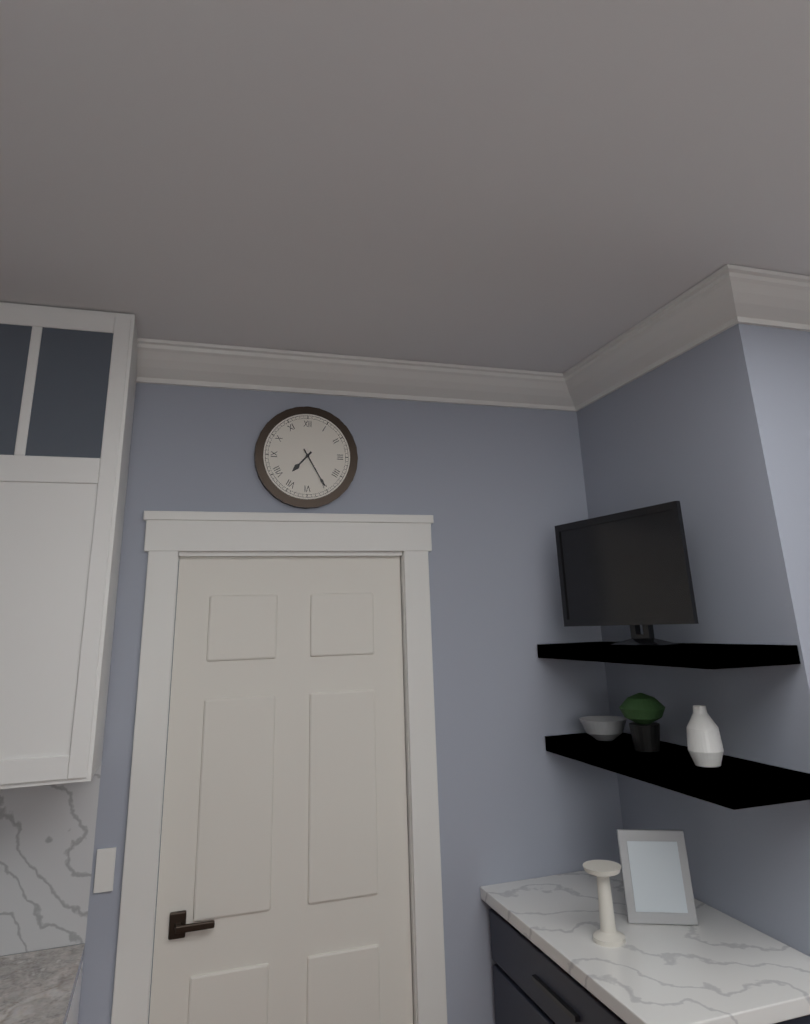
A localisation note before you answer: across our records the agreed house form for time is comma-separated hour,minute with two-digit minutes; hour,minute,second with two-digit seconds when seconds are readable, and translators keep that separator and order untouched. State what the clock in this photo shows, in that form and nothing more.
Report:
7,25
